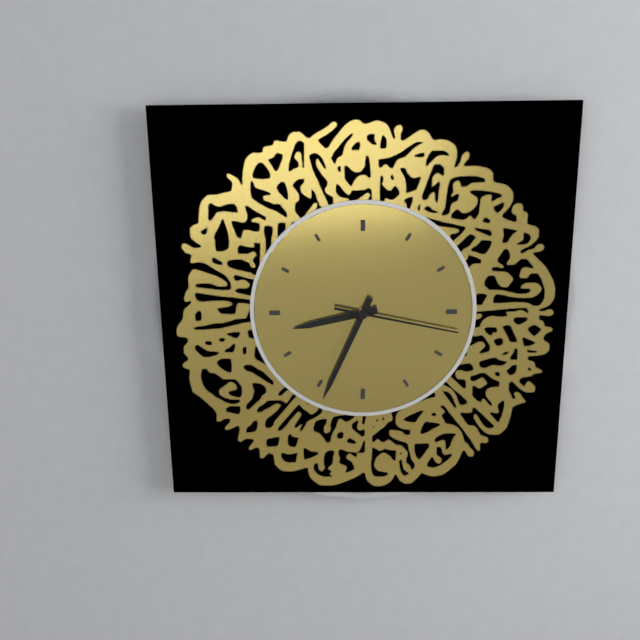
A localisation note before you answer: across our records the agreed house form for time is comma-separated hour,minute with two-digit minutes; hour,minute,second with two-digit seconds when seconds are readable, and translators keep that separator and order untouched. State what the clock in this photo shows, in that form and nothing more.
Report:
8,34,17
